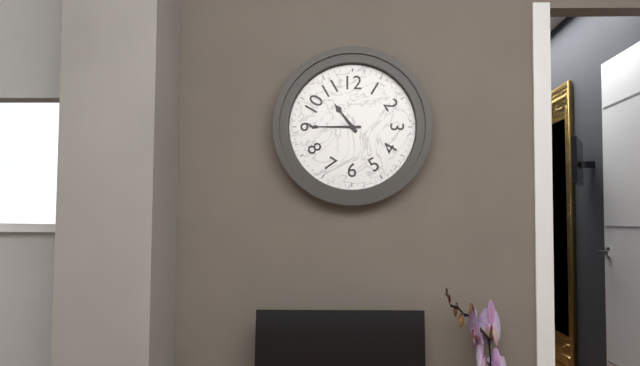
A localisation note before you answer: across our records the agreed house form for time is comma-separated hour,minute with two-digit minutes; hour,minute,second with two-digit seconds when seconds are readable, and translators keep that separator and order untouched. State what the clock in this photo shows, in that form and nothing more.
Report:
10,45
